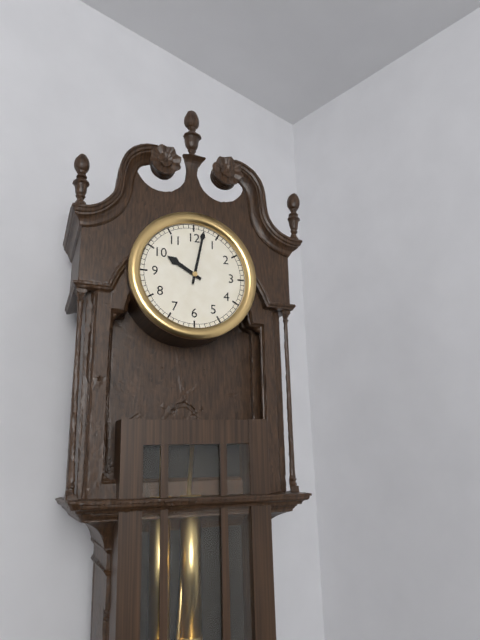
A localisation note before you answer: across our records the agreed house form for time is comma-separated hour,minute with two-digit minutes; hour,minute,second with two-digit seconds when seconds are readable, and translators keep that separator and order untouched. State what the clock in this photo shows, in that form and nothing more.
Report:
10,02
